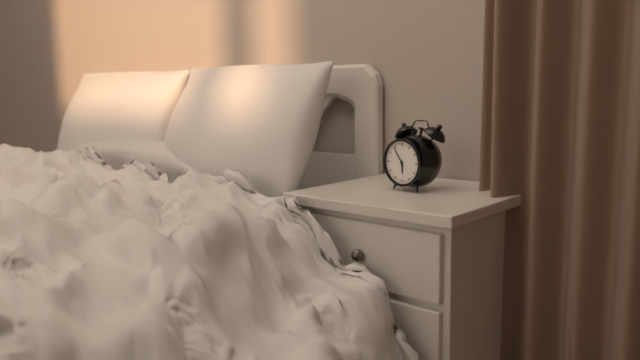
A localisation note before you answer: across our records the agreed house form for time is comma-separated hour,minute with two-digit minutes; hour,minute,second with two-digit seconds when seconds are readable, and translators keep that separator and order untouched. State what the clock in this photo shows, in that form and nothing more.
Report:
5,54
